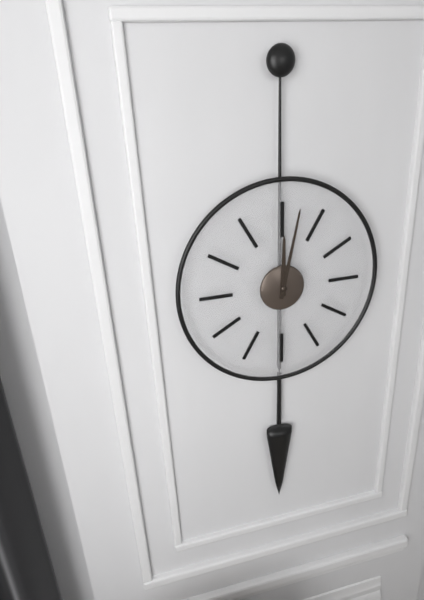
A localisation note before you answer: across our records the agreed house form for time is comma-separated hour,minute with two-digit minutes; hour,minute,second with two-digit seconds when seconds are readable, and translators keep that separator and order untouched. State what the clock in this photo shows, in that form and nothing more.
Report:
12,02
